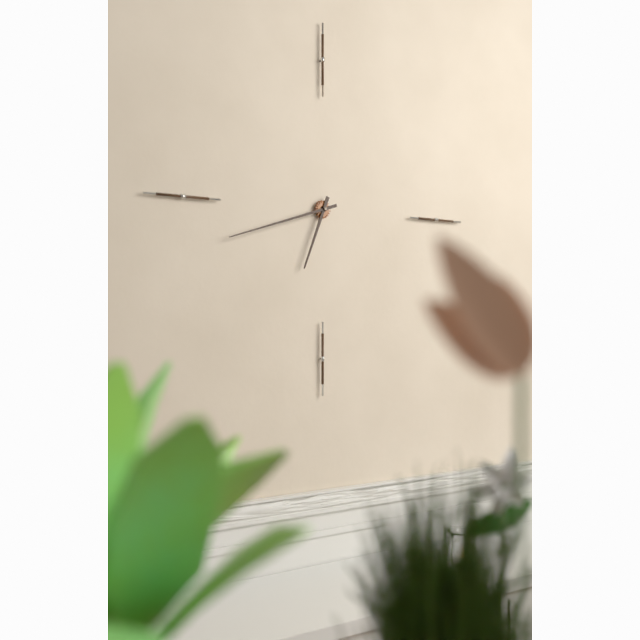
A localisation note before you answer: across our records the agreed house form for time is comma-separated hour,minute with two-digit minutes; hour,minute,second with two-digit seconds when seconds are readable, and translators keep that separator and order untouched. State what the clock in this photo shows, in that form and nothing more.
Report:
6,42
